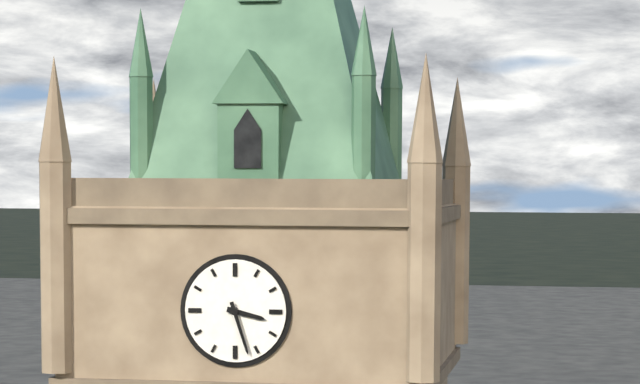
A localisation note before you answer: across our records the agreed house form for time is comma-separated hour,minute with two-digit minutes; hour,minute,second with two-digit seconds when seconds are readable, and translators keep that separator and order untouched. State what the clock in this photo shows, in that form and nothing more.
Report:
3,27
